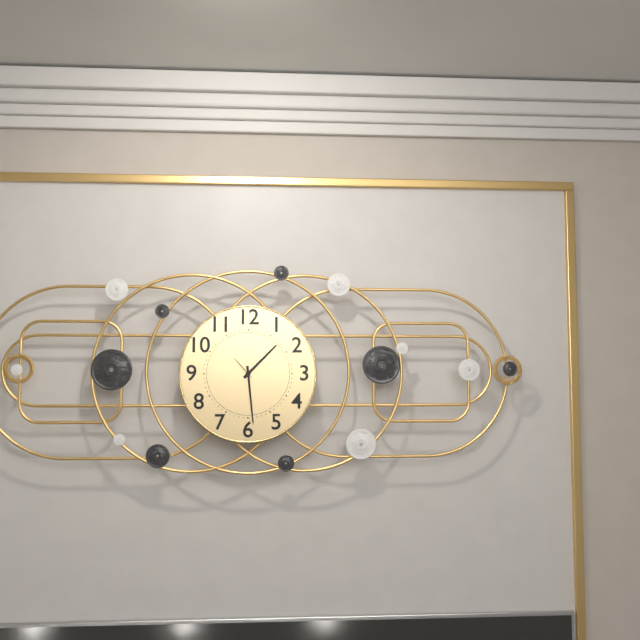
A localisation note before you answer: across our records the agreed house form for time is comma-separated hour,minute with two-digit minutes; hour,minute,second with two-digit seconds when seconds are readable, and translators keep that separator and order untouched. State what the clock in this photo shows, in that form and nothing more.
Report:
1,29
